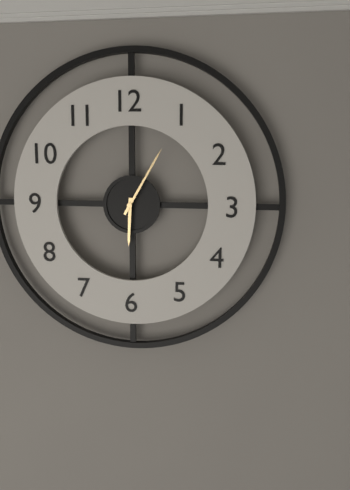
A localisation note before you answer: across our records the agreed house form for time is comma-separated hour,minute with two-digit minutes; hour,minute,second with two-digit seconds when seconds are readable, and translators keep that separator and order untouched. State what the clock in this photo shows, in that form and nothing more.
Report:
6,05
